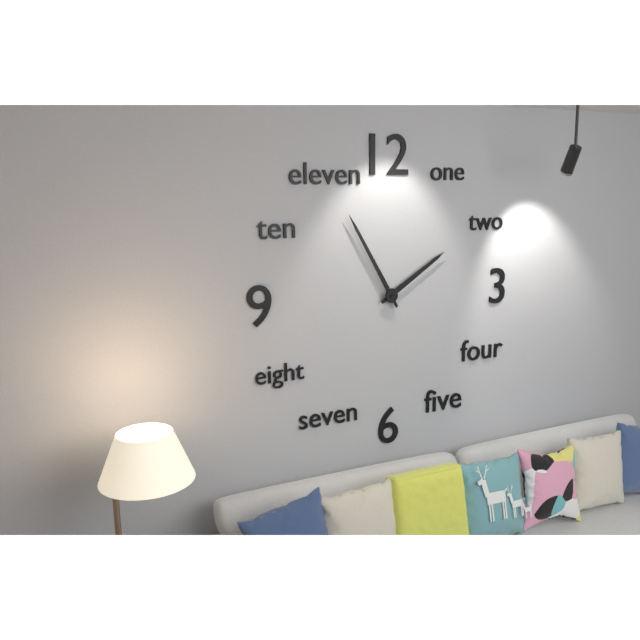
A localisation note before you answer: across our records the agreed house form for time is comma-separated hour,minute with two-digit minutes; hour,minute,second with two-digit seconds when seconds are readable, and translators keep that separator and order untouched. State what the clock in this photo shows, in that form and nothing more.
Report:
1,55
